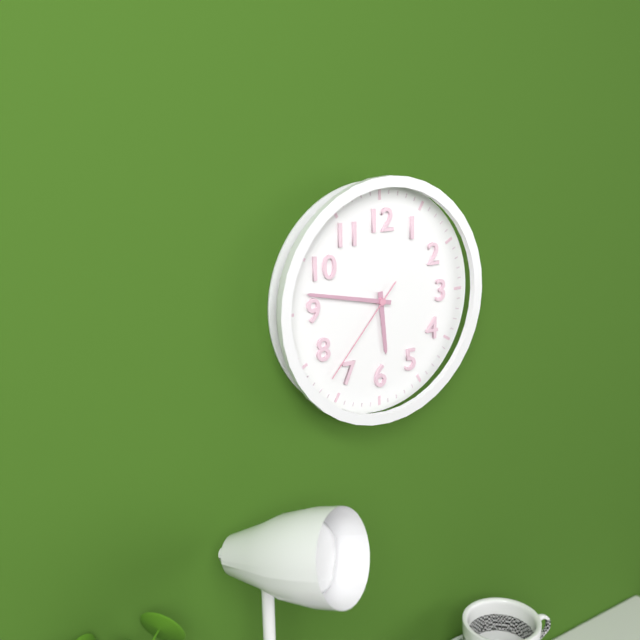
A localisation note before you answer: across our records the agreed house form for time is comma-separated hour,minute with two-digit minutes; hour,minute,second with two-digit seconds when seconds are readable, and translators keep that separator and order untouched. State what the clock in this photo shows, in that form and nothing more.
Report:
5,47,37
